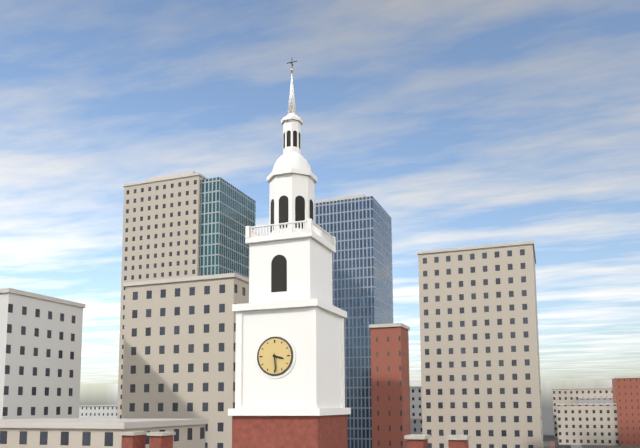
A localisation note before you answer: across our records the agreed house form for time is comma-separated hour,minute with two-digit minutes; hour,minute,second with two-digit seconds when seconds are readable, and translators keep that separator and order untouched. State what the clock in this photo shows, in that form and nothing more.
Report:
3,29
